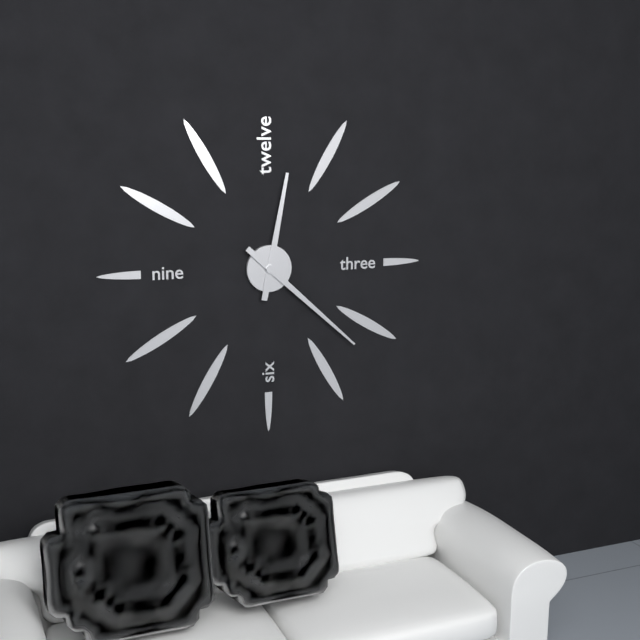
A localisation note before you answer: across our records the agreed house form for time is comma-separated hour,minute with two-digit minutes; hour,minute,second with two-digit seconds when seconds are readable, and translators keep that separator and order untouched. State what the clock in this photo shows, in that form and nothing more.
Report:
12,22
